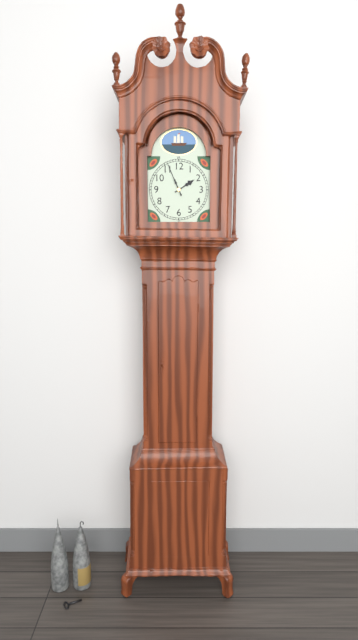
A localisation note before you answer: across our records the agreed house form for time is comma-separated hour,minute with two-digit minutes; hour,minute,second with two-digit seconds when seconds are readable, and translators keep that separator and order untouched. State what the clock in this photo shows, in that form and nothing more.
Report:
1,56
